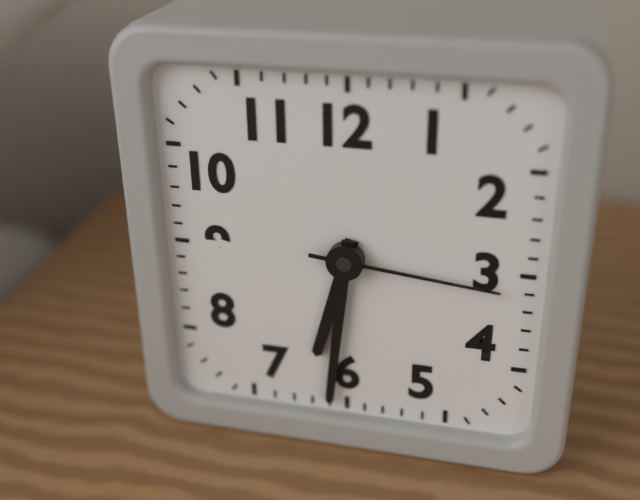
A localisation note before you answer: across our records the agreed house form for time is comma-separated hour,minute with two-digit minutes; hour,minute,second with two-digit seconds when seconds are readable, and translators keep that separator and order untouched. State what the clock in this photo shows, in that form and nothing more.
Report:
6,31,16
